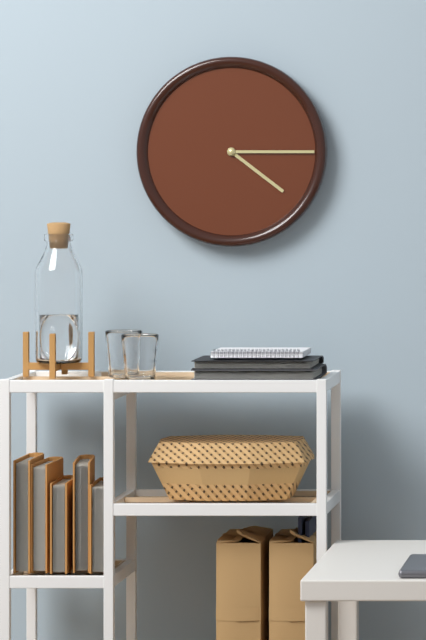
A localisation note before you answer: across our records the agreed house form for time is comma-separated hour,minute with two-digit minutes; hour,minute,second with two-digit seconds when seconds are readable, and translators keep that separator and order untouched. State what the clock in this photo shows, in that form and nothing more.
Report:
4,15
